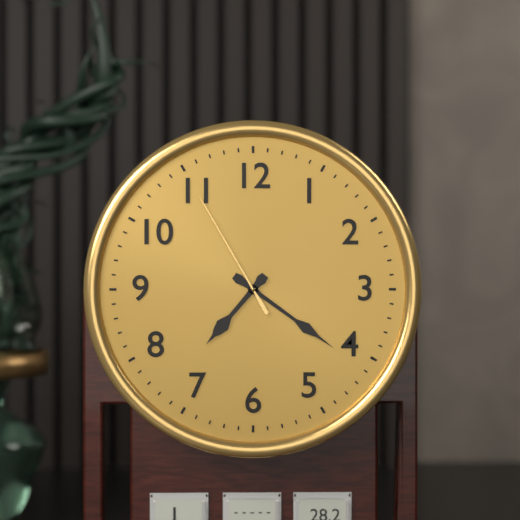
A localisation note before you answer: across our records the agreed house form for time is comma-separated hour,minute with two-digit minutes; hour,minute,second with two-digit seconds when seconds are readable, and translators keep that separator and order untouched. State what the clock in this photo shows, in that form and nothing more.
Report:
7,21,55
